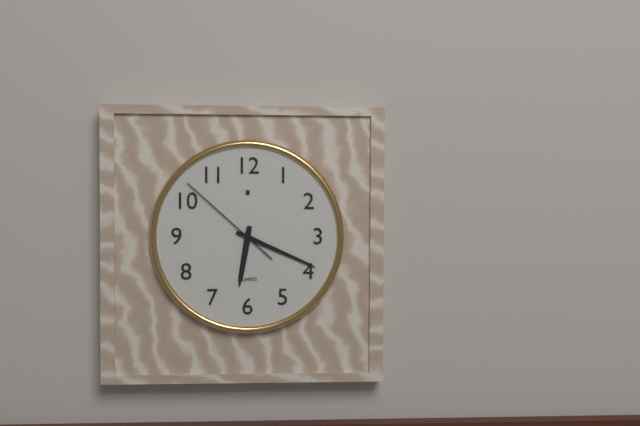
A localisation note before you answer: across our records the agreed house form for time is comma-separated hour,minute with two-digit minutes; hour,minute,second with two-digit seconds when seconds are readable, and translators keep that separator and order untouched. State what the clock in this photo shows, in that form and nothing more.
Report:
6,19,52
